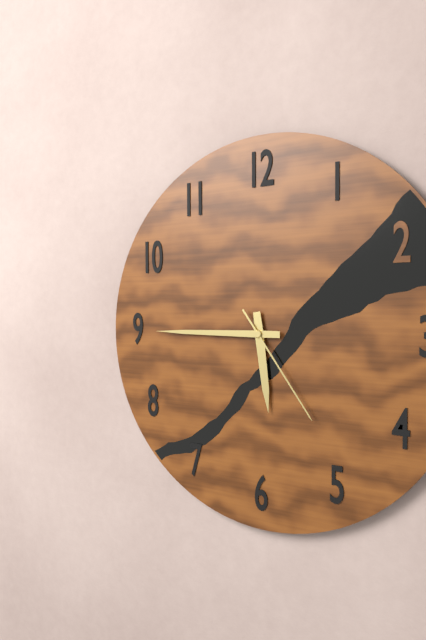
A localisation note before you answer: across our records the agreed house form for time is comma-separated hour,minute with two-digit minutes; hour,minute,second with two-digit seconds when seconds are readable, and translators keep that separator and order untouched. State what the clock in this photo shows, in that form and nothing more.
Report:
5,45,24
